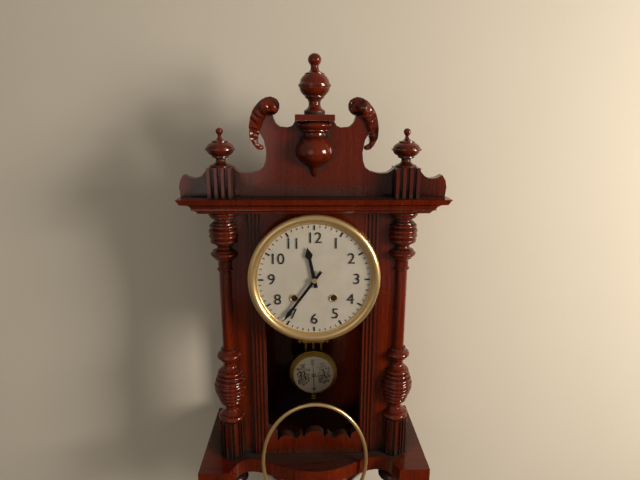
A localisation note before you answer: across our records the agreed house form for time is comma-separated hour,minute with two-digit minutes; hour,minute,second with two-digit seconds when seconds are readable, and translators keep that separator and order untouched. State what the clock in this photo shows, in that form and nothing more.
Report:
11,36
